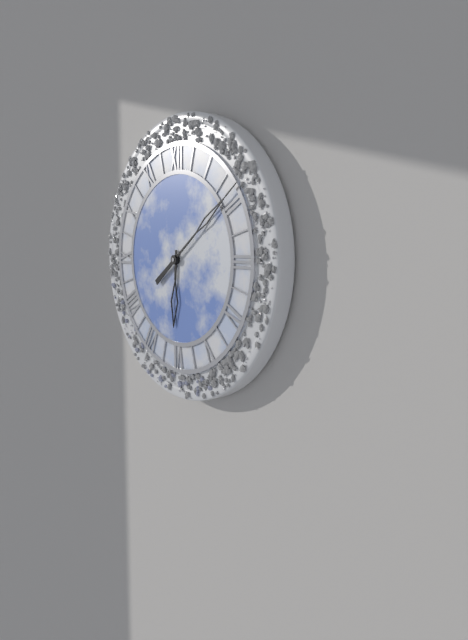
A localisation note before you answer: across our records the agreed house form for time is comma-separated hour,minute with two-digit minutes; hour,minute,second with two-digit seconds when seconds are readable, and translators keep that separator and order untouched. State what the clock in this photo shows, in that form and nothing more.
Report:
6,09
